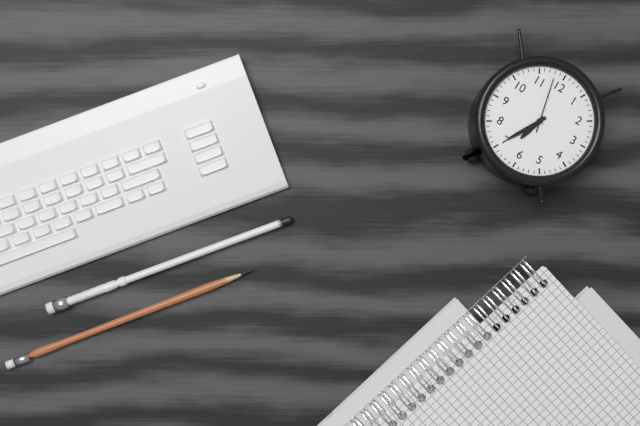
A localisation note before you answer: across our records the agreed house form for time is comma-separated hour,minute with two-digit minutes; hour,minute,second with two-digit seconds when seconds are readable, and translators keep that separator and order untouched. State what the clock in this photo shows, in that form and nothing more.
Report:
6,35,58
